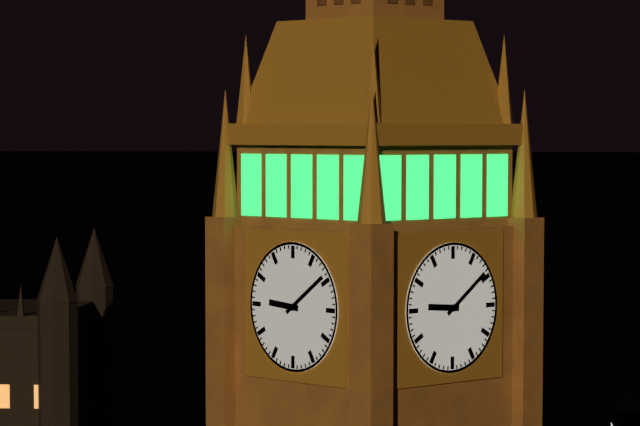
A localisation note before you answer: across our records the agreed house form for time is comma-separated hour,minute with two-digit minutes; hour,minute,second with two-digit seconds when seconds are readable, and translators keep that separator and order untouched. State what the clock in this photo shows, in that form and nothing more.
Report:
9,09
